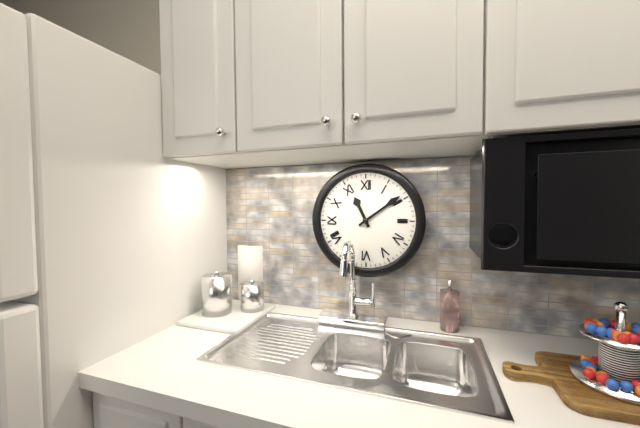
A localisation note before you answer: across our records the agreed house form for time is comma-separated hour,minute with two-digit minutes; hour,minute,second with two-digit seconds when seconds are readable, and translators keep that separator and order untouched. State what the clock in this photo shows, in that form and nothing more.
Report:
11,09
